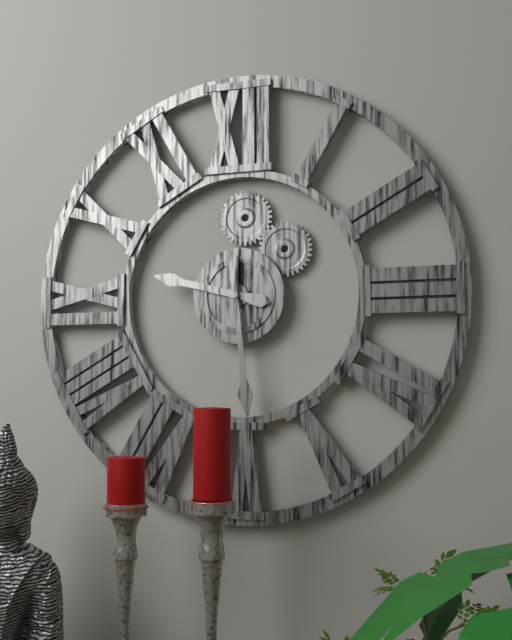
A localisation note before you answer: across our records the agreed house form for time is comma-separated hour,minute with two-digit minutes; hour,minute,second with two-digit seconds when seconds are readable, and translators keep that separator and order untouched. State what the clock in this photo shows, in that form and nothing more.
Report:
9,29
